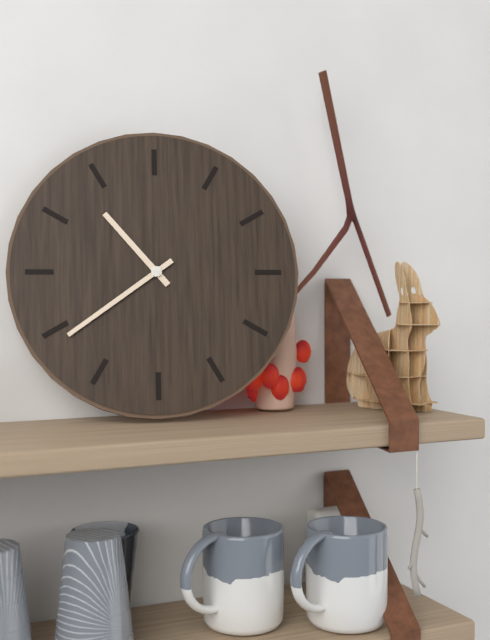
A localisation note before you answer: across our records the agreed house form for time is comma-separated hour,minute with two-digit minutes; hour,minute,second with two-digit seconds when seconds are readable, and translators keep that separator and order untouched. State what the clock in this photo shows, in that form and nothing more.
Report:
10,39
